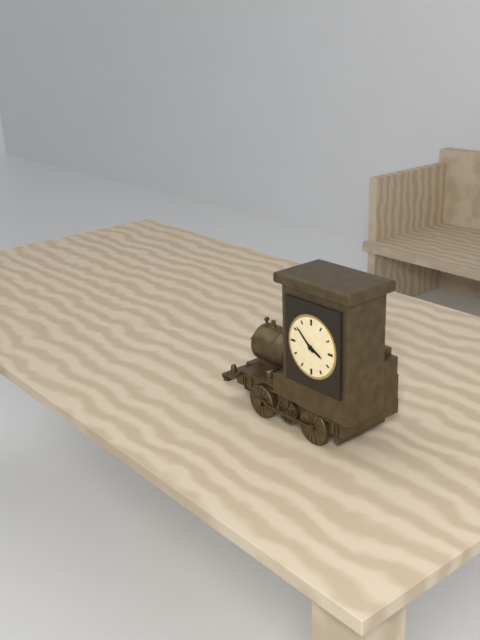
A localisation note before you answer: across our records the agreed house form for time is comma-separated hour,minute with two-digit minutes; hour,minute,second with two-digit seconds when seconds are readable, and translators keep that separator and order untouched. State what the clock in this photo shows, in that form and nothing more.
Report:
3,52
